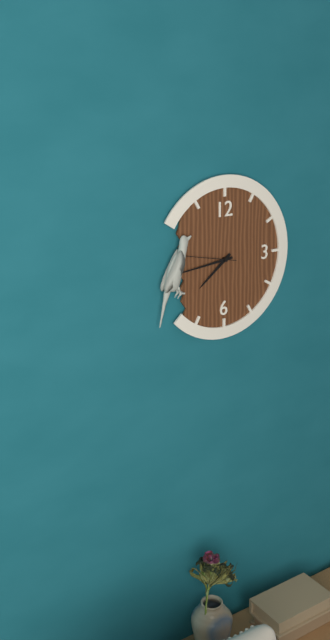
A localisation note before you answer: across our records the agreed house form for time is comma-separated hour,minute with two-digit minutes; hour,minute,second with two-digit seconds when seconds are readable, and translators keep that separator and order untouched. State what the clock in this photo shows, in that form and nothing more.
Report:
7,44,47
